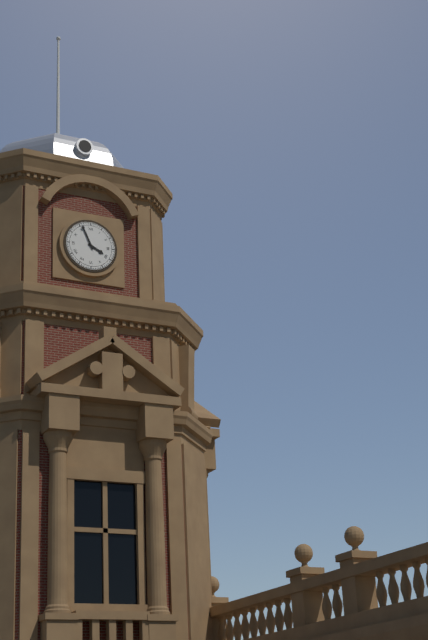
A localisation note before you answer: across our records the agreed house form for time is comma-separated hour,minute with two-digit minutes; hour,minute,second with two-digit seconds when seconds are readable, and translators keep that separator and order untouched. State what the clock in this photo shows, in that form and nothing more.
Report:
3,56
